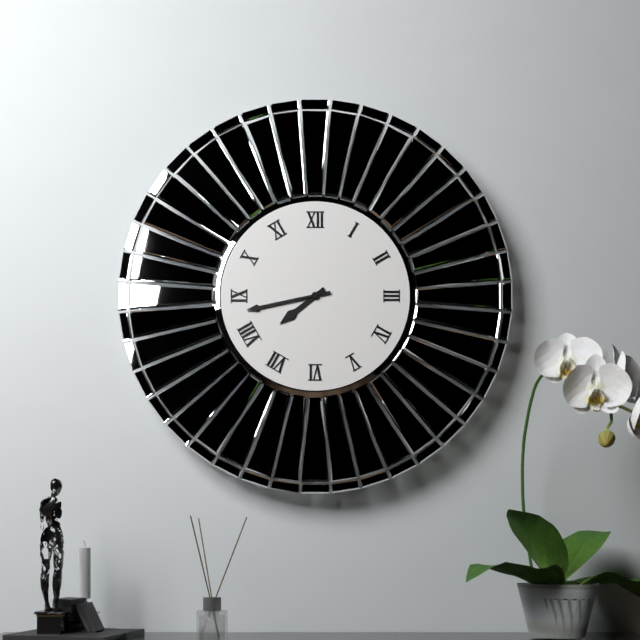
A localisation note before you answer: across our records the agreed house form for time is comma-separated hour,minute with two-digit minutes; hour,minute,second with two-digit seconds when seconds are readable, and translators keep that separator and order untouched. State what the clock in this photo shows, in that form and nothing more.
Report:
7,43
